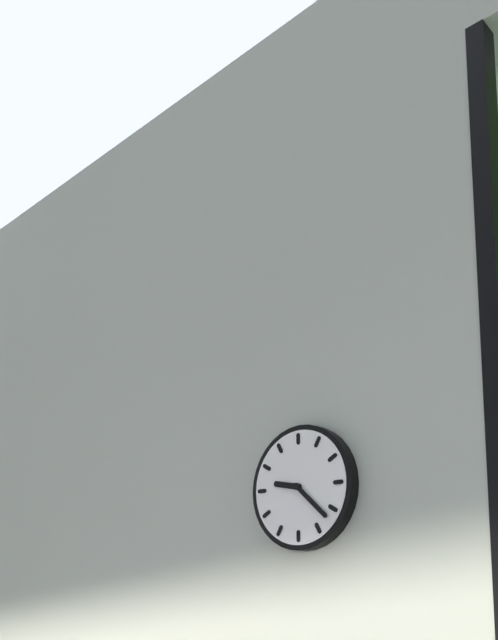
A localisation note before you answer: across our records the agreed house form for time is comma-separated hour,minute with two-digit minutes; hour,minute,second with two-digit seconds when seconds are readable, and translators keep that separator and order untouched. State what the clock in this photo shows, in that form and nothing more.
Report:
9,22
